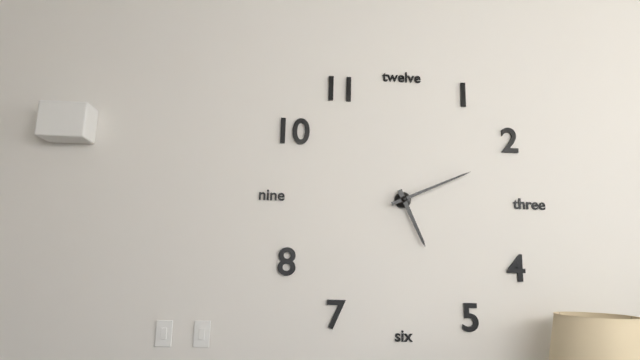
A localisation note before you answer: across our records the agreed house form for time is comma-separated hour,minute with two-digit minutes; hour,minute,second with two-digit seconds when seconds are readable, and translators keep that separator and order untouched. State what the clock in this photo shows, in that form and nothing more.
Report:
5,11
